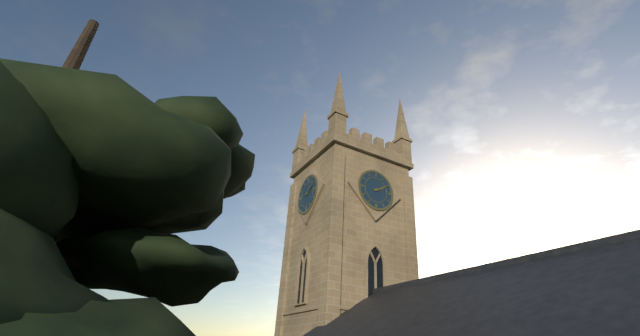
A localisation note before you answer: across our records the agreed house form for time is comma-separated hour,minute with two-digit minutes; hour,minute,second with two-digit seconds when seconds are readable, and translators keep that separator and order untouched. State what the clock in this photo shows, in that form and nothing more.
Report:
2,10
